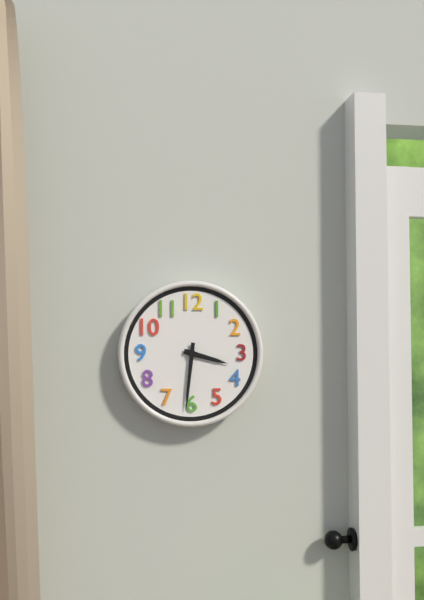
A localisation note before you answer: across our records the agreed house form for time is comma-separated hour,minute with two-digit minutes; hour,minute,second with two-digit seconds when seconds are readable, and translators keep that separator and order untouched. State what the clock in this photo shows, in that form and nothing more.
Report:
3,31
